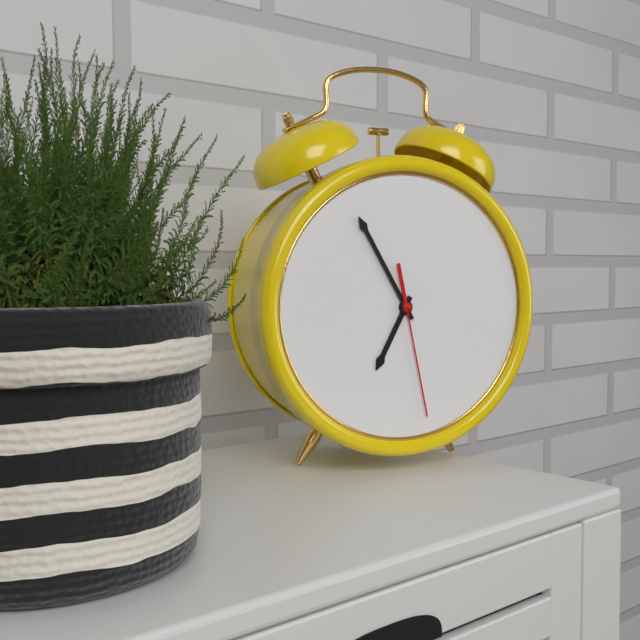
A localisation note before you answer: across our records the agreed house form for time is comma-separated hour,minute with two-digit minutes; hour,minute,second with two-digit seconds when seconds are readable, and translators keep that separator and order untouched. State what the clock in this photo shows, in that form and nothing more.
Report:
6,55,28
